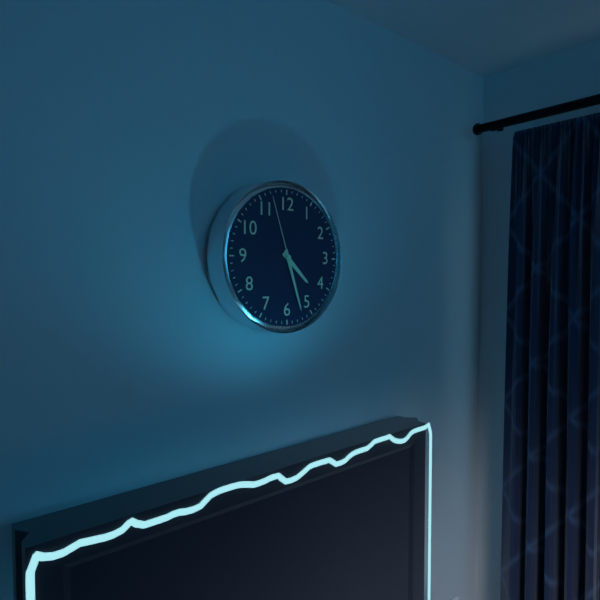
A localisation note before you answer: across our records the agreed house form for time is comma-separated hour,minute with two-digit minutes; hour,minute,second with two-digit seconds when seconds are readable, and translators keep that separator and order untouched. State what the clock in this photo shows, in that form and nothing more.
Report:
4,27,57
